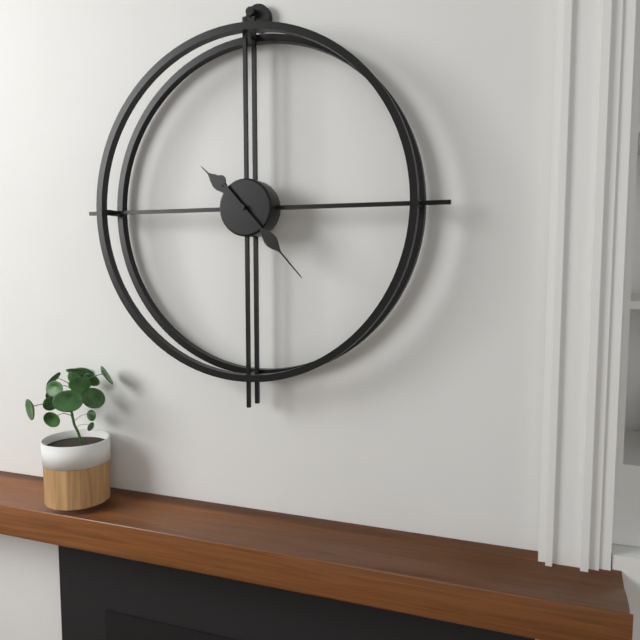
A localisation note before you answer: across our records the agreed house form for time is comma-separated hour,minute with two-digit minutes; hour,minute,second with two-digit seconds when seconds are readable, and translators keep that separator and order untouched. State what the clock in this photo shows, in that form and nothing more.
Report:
10,23
